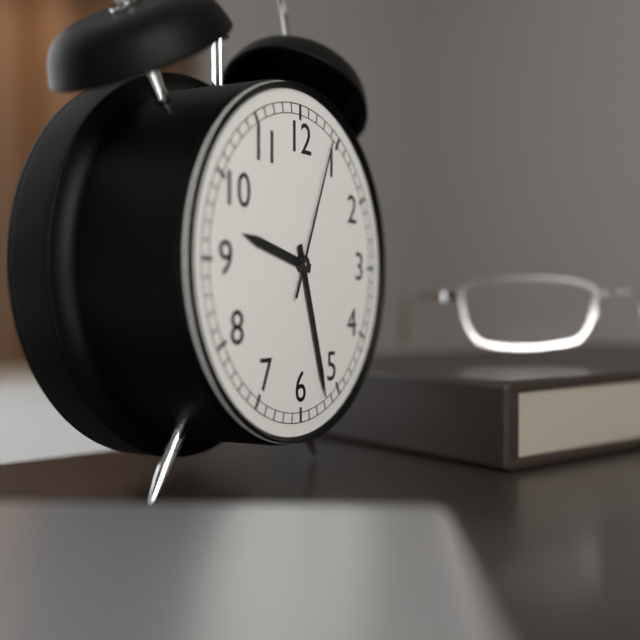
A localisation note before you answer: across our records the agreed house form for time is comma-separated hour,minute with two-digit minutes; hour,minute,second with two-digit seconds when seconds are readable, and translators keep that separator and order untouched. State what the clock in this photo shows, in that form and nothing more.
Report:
9,27,04
